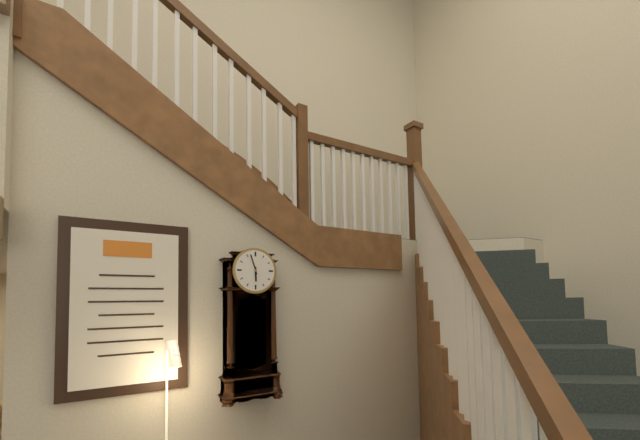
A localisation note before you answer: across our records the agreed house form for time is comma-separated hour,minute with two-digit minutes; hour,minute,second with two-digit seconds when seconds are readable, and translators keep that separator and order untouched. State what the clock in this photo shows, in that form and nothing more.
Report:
5,57
